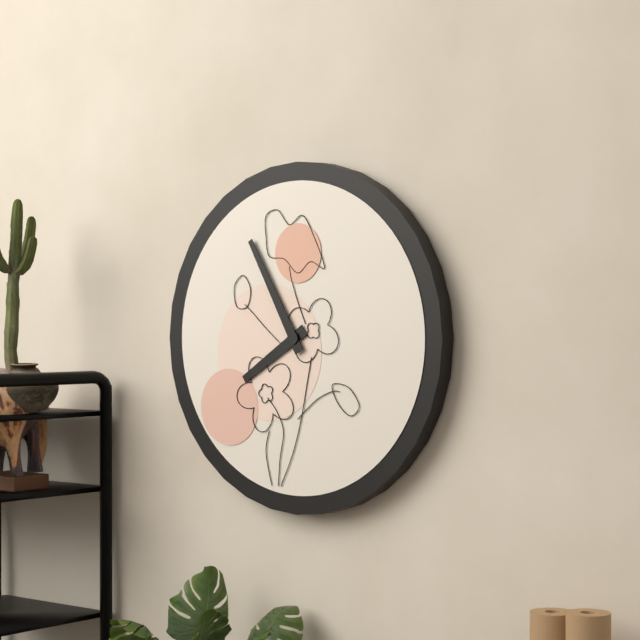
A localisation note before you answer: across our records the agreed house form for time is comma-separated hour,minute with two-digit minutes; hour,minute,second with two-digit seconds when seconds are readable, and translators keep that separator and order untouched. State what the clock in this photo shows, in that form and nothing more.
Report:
7,55
